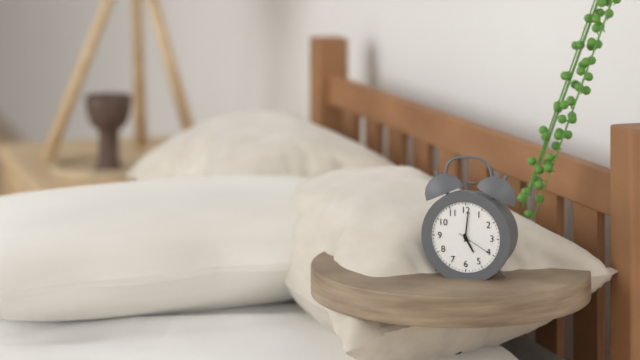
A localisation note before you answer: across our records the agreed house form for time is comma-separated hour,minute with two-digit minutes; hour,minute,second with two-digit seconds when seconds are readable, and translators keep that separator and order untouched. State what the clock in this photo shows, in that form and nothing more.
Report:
5,01
